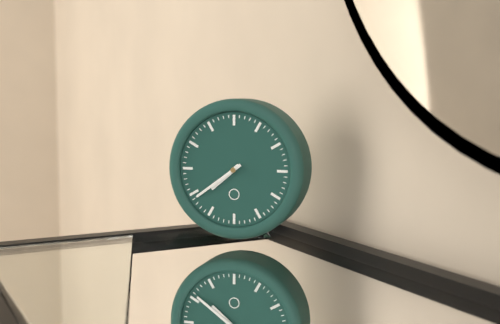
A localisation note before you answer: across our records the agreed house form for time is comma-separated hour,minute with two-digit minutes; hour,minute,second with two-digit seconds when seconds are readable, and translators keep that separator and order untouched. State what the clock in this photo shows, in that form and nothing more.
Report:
7,39
